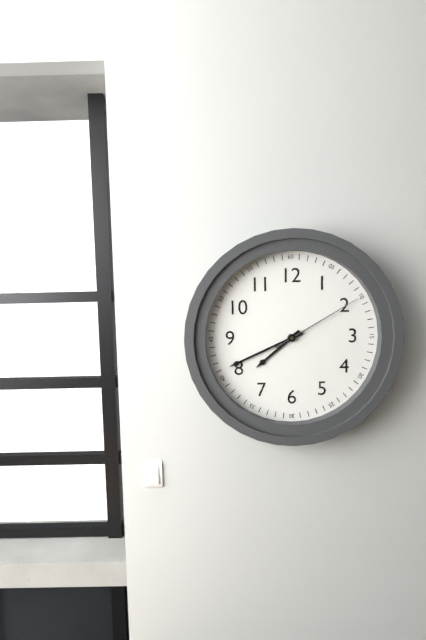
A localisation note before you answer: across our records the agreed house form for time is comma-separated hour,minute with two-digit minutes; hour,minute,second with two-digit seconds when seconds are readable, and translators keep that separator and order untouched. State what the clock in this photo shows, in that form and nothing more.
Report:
7,41,10
